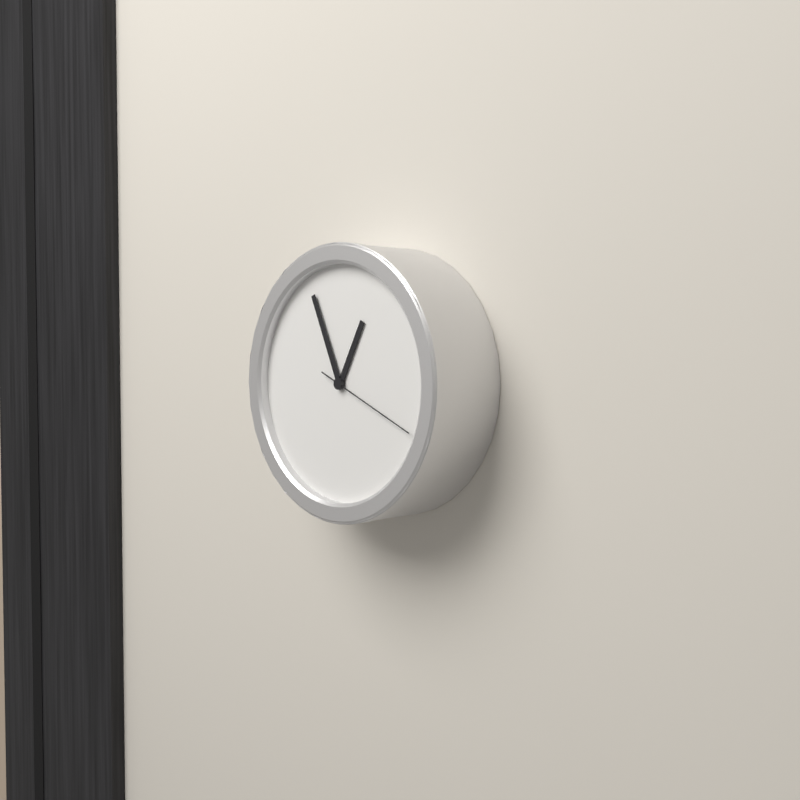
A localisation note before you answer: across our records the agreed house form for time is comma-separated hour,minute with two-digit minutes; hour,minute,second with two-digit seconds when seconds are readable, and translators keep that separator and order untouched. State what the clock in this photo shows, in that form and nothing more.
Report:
12,56,19
